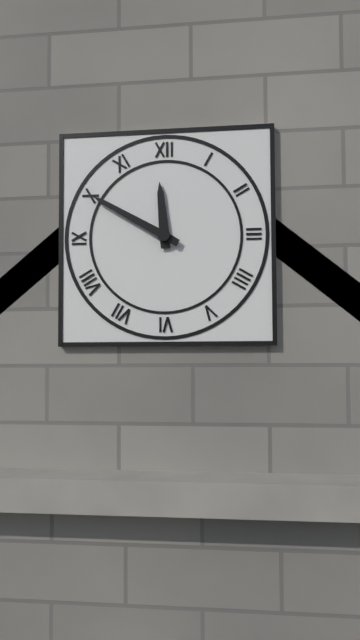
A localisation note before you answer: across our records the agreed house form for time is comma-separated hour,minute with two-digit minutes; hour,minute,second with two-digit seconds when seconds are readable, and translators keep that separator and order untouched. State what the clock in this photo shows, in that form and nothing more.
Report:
11,50
